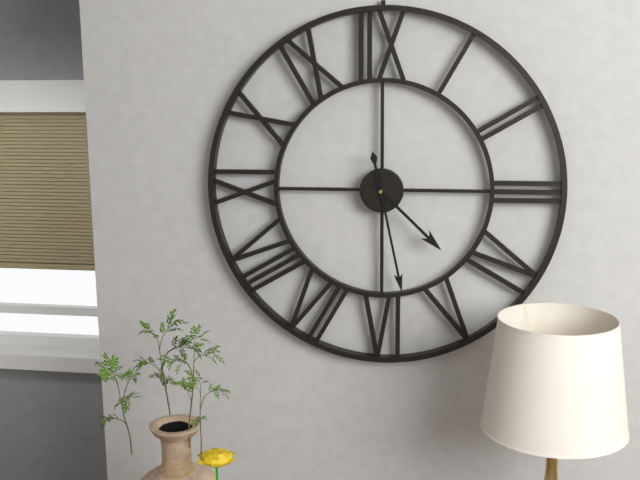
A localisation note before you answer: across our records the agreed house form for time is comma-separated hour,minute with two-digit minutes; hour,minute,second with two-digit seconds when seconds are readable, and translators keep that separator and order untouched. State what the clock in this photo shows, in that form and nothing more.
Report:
4,28
